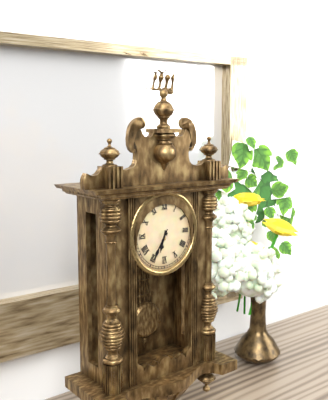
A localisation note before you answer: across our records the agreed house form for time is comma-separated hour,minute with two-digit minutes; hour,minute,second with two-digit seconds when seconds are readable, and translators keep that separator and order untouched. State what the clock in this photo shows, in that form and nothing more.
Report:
6,35
